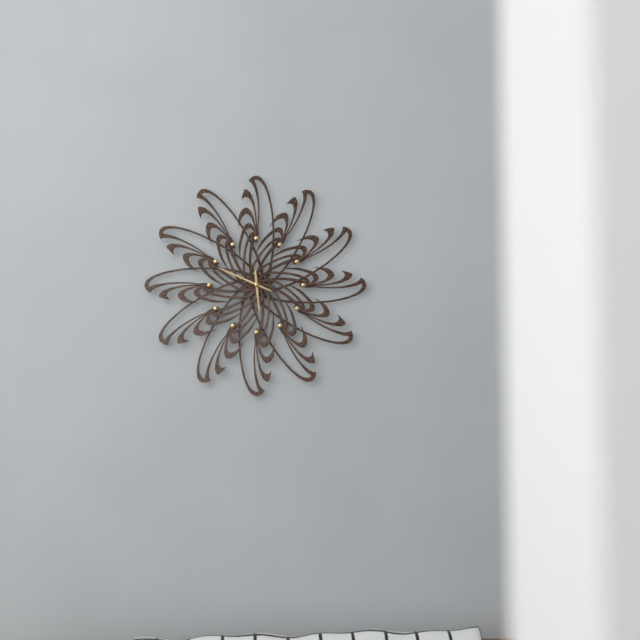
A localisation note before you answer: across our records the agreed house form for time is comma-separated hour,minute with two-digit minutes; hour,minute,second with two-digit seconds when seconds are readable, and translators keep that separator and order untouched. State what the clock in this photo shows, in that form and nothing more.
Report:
5,49
